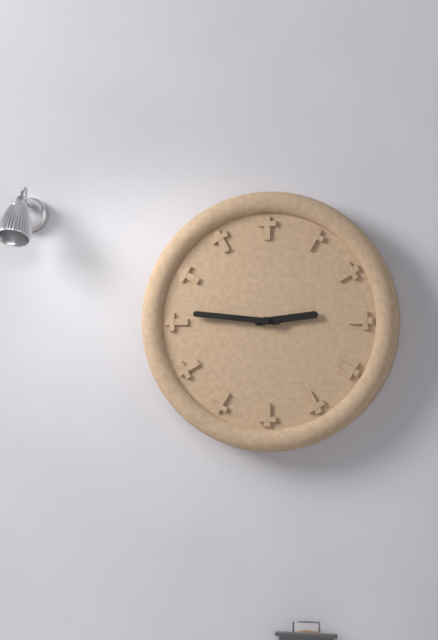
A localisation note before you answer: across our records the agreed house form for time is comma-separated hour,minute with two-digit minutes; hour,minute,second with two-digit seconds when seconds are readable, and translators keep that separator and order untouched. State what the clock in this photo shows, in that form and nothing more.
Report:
2,46
